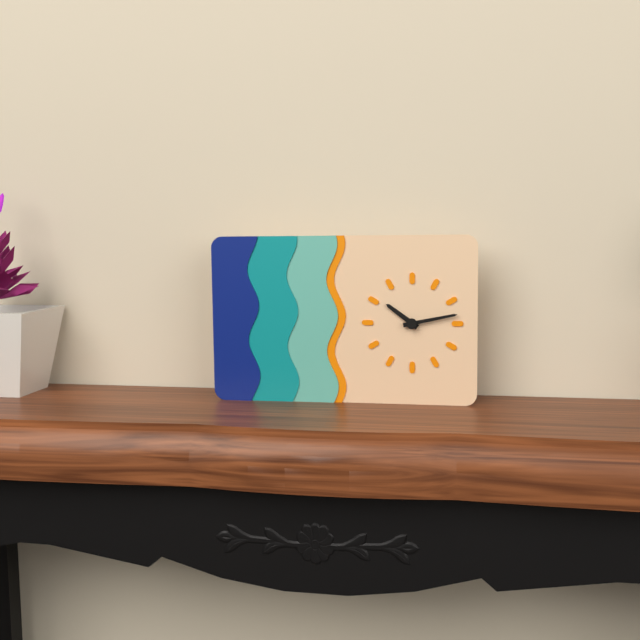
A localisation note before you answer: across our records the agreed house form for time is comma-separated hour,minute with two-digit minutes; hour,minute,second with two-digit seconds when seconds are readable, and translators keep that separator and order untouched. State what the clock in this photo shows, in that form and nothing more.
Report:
10,13
